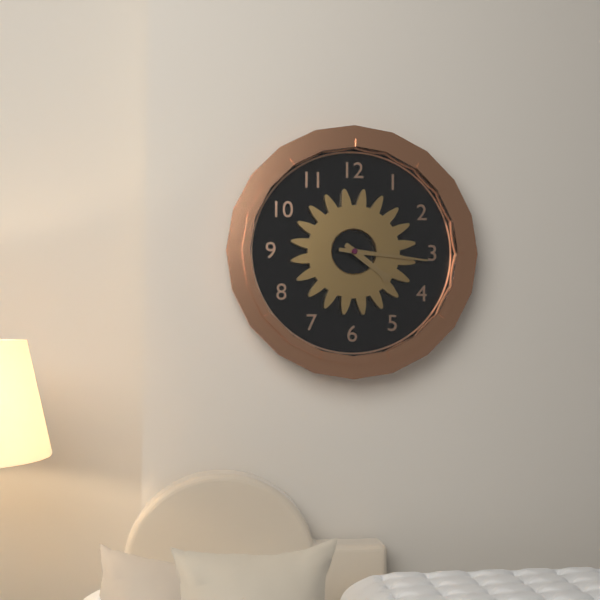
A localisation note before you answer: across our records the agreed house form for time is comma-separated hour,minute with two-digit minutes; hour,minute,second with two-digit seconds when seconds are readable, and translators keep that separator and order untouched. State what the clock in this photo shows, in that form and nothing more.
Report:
4,16
